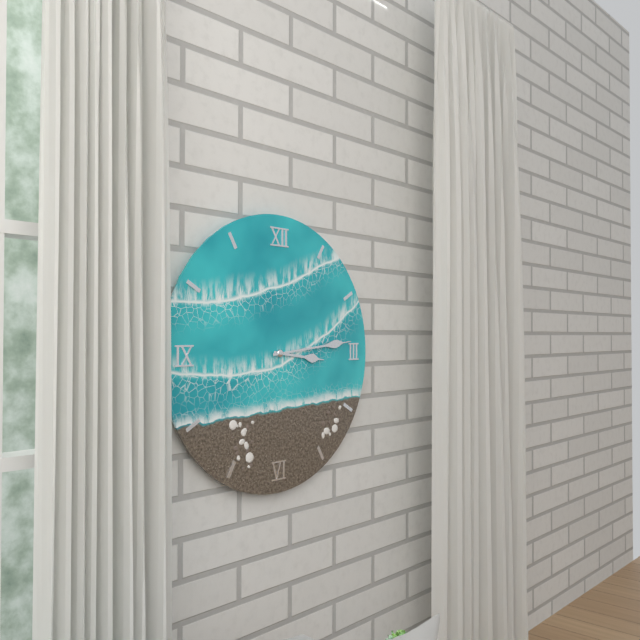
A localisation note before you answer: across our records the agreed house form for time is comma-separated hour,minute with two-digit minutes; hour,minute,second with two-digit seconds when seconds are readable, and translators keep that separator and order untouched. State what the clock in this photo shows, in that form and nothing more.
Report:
3,14
